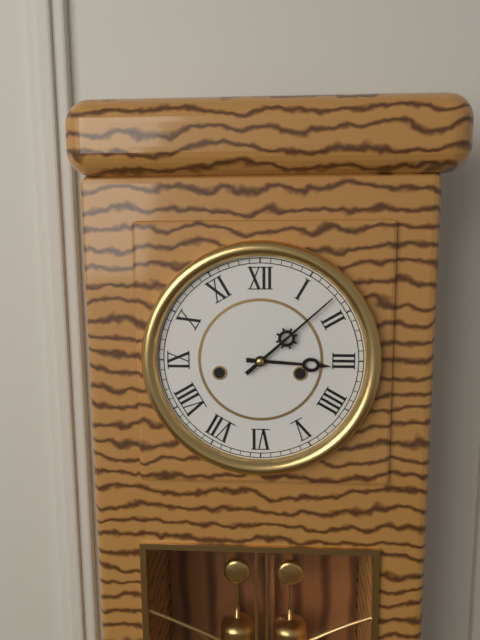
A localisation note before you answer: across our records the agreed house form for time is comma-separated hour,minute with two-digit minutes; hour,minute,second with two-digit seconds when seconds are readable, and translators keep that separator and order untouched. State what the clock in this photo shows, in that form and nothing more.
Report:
3,08
